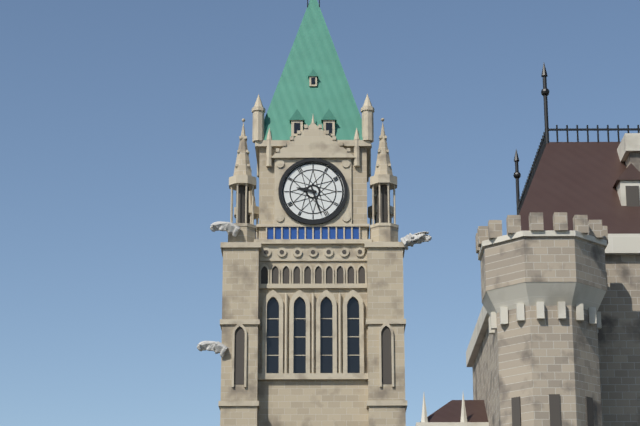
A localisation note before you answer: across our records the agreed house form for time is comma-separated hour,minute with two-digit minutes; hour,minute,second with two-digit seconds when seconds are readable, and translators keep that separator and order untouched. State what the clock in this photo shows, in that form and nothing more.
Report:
9,27
